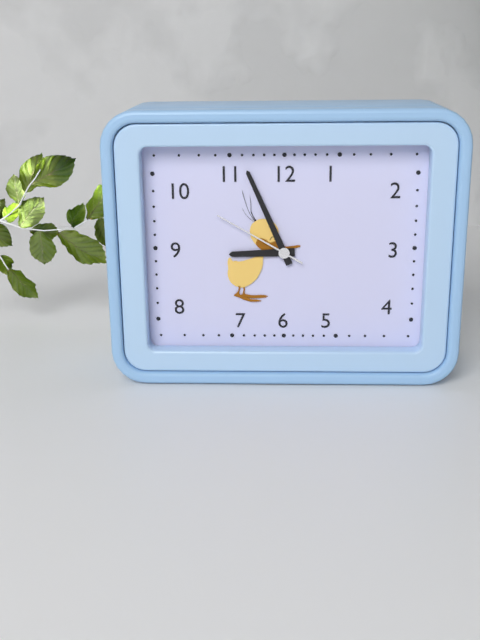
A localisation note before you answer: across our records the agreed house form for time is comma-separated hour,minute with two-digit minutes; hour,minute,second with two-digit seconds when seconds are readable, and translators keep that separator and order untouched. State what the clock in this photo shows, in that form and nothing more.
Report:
8,56,50
